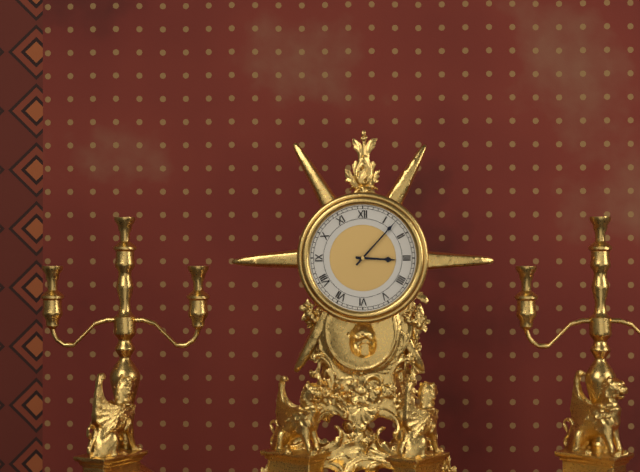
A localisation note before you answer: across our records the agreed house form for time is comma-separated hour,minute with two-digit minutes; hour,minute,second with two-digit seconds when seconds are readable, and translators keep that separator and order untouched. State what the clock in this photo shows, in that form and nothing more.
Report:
3,07
